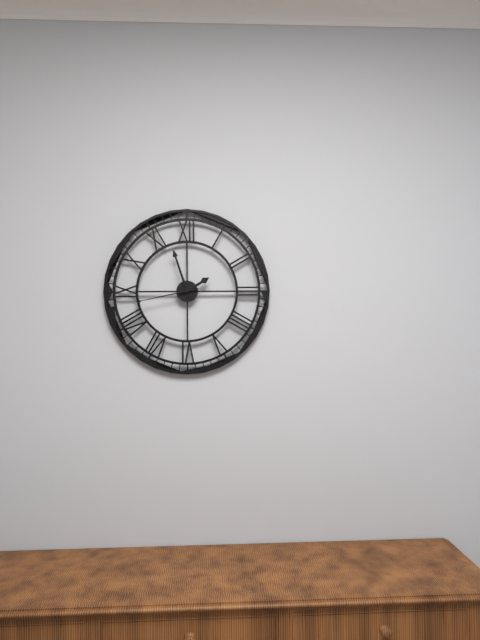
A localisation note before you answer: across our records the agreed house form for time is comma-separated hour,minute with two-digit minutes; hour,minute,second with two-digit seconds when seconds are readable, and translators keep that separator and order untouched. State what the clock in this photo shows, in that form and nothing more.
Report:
1,57,43
